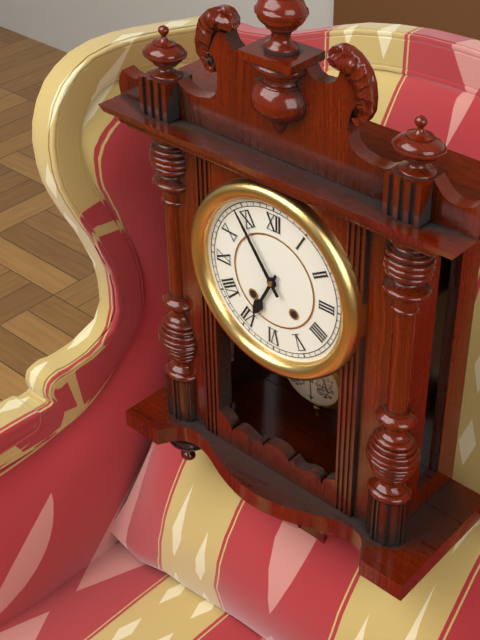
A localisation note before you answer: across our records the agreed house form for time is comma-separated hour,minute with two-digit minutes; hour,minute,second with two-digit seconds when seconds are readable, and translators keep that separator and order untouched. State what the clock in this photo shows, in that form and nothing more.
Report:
6,54
